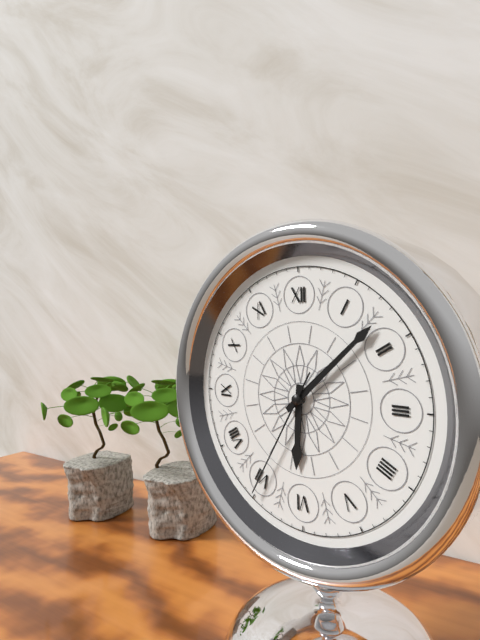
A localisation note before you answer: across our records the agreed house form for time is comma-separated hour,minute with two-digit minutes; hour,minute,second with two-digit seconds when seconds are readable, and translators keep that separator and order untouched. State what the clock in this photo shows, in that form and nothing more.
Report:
6,08,35
